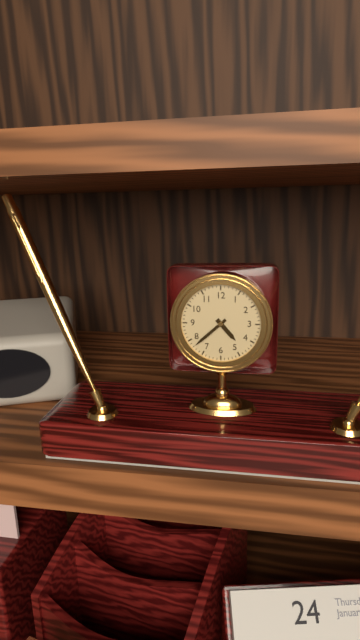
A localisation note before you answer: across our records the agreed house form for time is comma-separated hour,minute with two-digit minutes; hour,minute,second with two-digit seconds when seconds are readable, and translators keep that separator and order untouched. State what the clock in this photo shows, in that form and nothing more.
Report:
4,38
